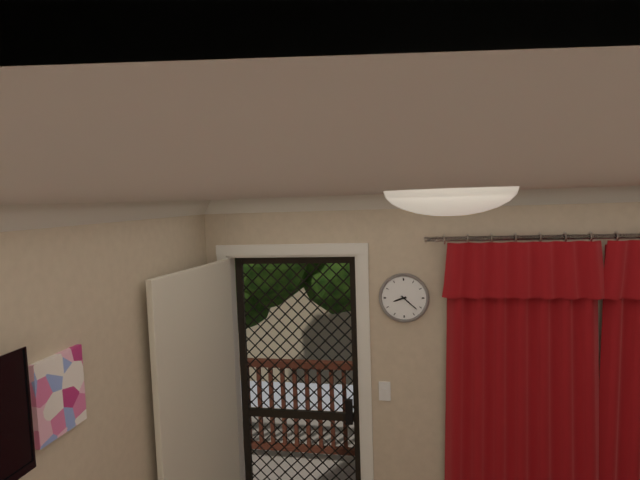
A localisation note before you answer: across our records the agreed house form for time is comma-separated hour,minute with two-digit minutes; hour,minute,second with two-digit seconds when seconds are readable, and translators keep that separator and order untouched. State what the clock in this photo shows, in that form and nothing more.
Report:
8,22
